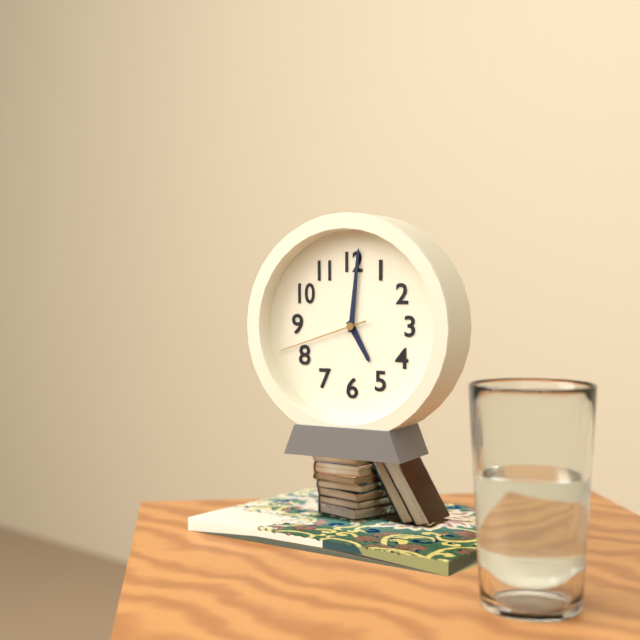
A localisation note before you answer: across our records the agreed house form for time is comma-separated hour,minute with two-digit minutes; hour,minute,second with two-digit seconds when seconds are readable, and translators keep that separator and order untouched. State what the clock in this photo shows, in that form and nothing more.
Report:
5,01,42
